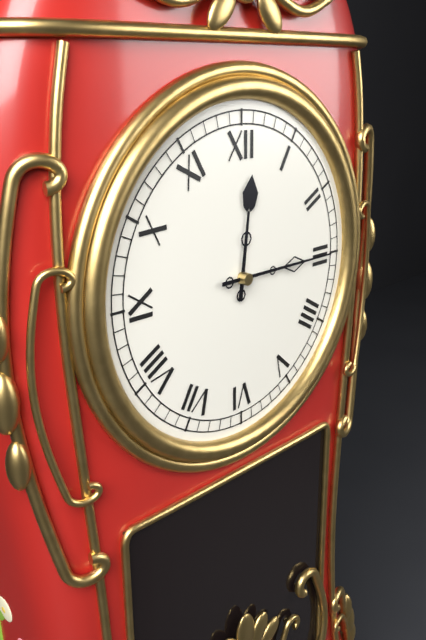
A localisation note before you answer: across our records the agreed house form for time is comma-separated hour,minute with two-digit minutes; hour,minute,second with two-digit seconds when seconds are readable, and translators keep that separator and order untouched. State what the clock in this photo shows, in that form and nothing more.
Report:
12,15
